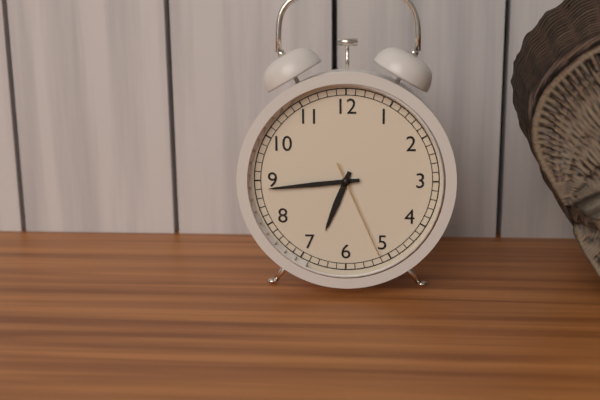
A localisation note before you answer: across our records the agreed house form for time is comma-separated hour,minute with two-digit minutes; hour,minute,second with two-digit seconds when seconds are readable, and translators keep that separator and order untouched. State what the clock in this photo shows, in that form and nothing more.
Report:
6,44,26
